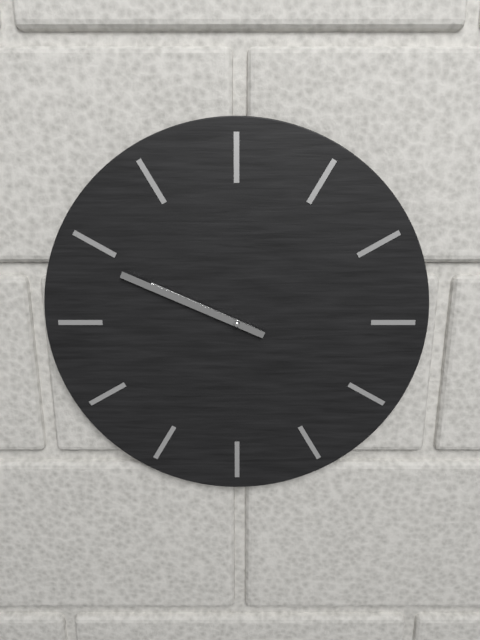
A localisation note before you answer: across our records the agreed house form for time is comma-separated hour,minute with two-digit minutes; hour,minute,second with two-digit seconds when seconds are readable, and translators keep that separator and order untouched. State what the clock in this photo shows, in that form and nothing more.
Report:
9,49
